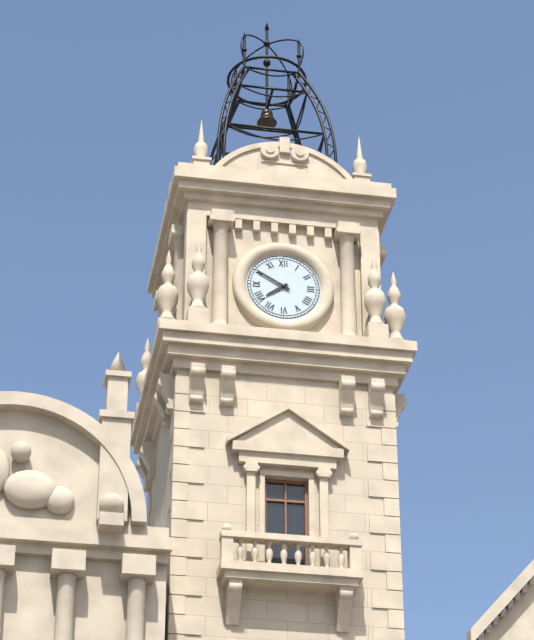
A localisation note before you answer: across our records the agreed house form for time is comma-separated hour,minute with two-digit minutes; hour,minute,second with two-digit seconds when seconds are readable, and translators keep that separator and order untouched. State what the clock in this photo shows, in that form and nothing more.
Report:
7,50
